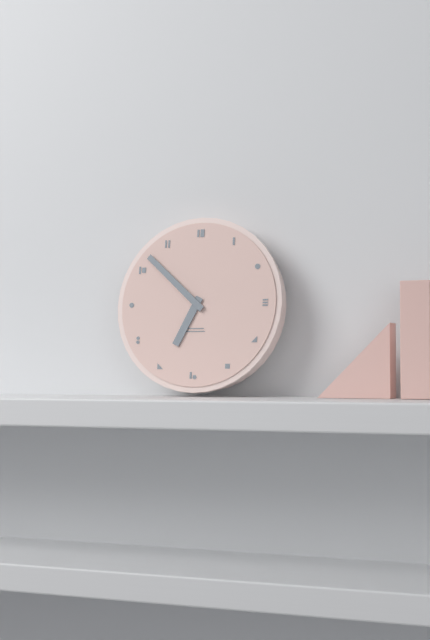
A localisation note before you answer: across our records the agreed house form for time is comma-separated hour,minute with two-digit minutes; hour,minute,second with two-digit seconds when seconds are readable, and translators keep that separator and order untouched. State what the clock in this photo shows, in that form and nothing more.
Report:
6,52
